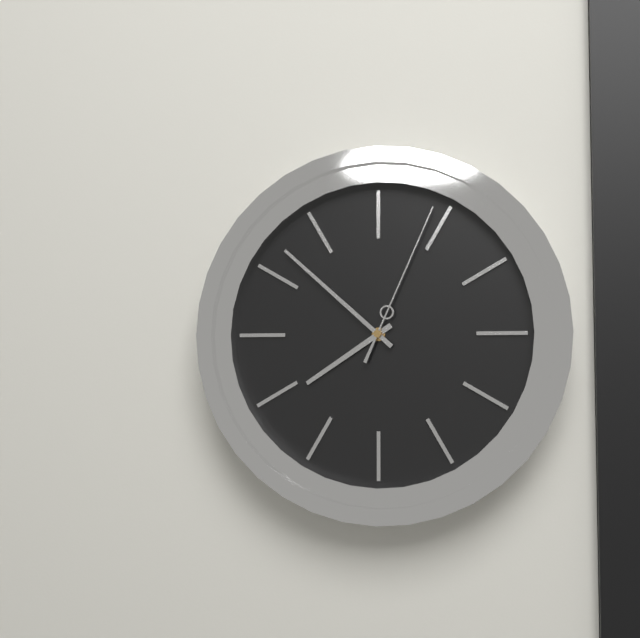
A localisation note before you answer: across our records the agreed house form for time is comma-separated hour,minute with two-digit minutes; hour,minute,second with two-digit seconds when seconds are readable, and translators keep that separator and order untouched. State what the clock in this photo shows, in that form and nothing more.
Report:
7,52,04
